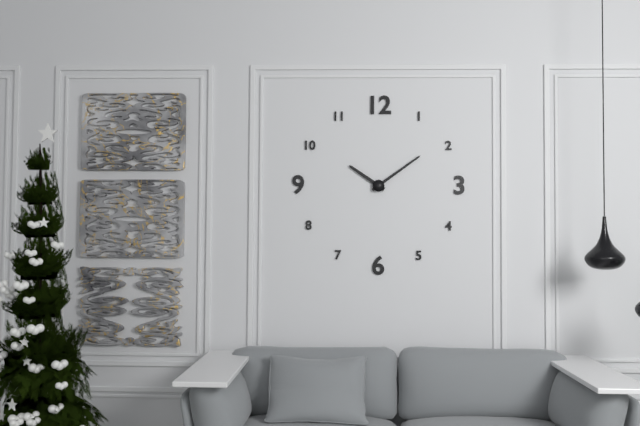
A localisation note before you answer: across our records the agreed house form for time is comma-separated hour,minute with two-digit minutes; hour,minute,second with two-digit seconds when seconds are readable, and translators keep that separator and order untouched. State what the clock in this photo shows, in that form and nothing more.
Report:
10,09
